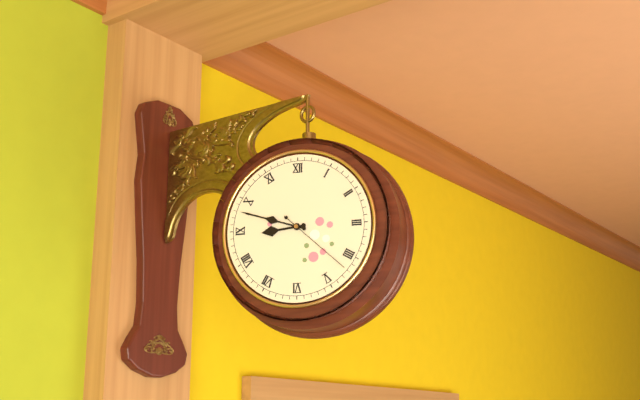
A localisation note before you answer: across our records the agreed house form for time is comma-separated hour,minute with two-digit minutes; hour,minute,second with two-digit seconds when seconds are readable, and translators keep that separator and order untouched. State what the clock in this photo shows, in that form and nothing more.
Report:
8,48,22
